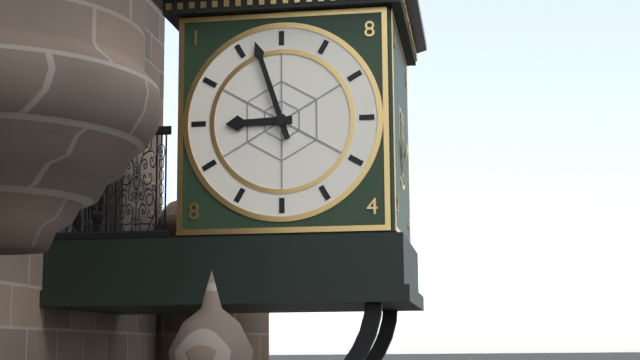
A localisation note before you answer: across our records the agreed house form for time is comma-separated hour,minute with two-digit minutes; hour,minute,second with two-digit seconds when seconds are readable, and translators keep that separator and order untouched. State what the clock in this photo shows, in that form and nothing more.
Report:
8,57
